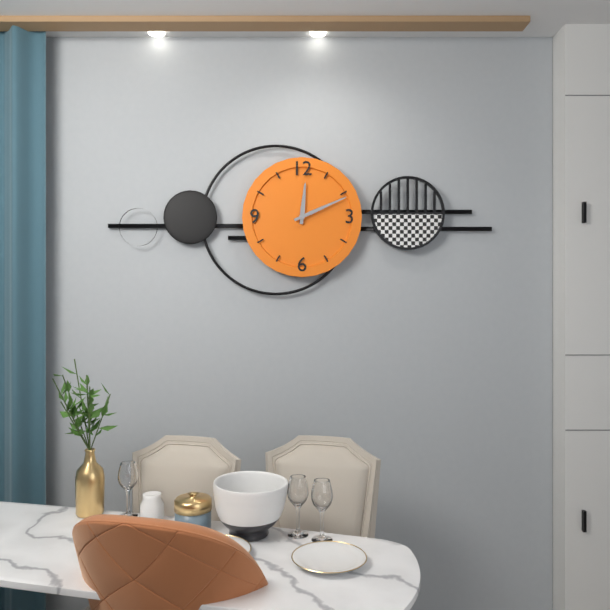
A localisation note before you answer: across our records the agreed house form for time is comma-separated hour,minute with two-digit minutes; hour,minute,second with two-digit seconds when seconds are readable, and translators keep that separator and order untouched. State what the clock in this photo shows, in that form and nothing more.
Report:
12,11
